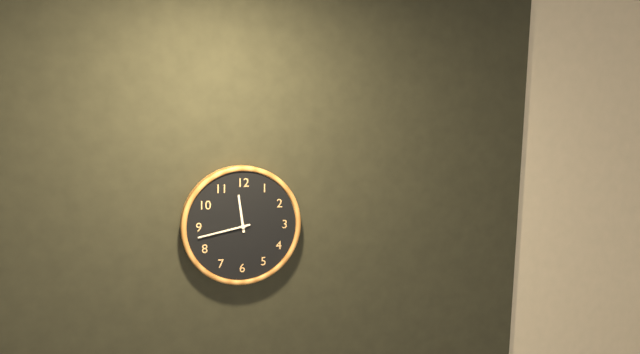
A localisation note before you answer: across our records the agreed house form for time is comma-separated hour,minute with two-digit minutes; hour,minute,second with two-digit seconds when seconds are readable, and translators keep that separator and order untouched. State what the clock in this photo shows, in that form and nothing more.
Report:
11,43
